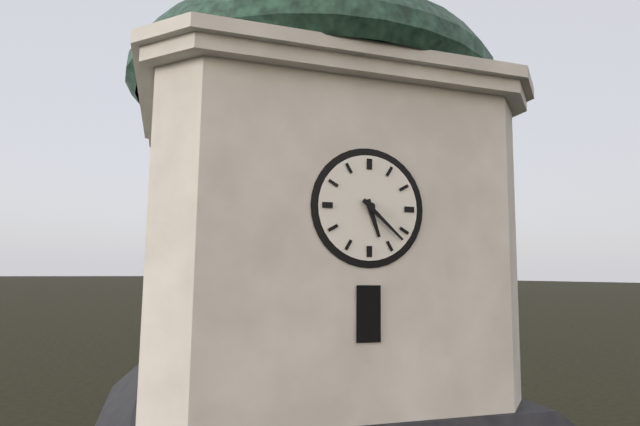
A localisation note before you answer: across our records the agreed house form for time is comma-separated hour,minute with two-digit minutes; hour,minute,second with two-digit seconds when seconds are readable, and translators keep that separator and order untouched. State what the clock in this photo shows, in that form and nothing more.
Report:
5,22
